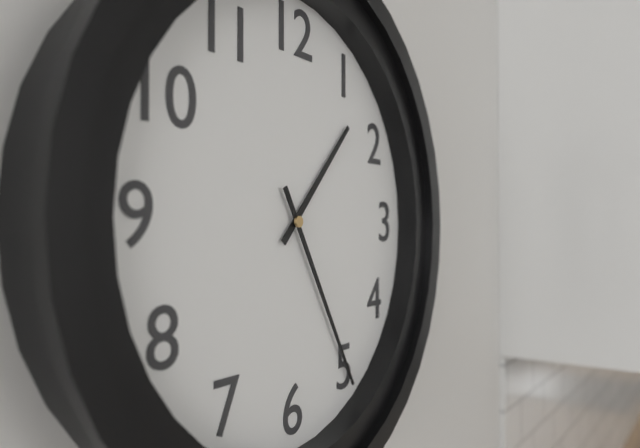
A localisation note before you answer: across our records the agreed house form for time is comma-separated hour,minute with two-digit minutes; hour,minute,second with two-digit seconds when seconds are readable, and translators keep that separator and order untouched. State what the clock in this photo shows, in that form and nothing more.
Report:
1,25
